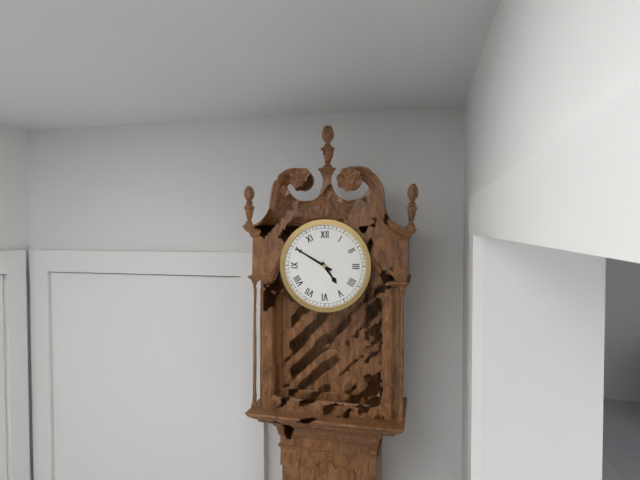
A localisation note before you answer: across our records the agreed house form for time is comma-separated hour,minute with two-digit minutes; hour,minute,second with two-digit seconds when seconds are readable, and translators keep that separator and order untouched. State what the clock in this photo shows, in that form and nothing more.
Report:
4,50
